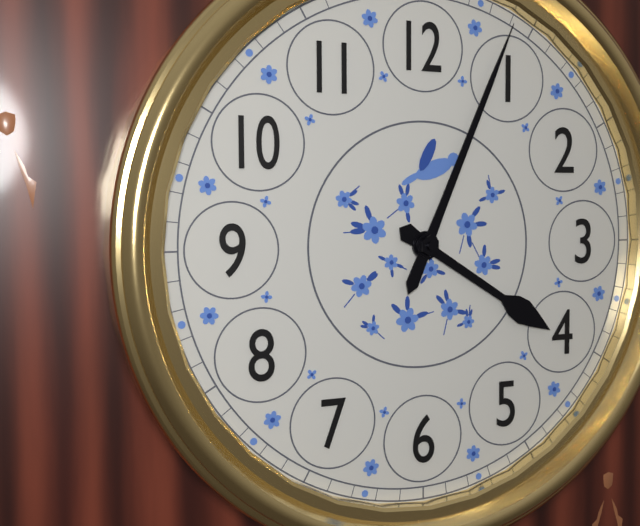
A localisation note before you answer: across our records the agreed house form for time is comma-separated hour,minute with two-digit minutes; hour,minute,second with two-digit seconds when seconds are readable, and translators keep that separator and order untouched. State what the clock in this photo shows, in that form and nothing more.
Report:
4,04
